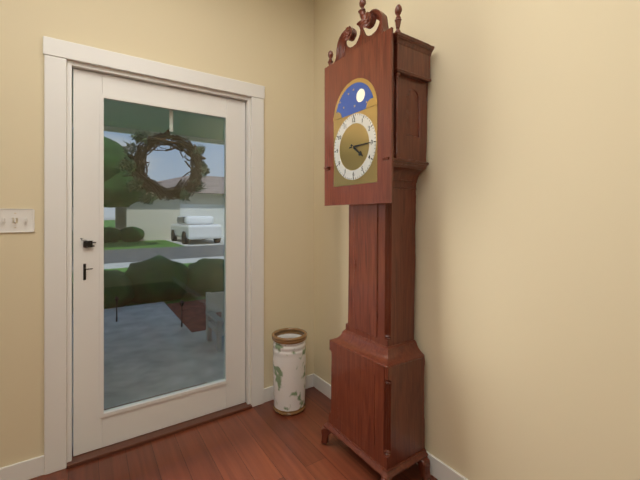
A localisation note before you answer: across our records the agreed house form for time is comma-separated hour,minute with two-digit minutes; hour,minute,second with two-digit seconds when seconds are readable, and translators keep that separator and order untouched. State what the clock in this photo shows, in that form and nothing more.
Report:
4,15
